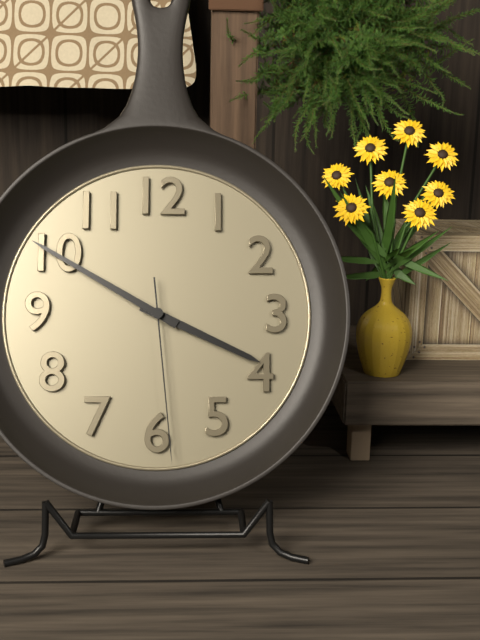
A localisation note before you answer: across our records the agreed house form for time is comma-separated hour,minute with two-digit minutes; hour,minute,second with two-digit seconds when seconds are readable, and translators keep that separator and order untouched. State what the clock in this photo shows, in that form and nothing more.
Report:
3,50,29
